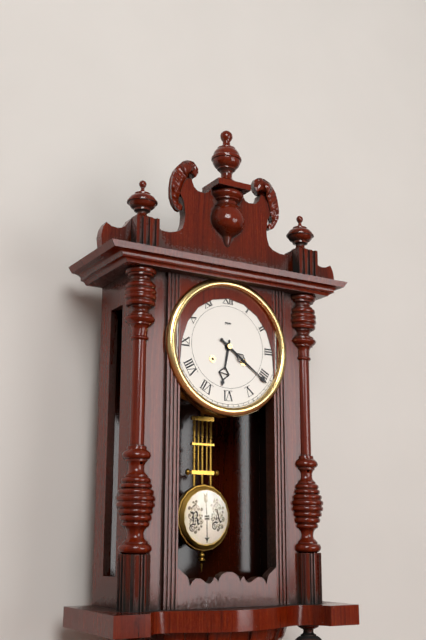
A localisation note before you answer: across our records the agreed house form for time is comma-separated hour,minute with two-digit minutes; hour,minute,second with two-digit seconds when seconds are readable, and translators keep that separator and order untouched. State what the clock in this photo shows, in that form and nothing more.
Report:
6,21
